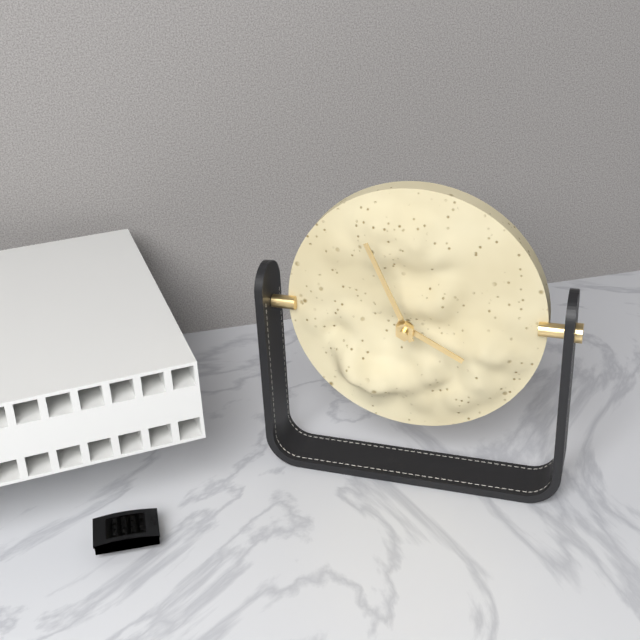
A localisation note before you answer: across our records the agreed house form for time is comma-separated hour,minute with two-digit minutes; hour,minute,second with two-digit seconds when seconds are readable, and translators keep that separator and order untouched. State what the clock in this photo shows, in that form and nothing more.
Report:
3,56
